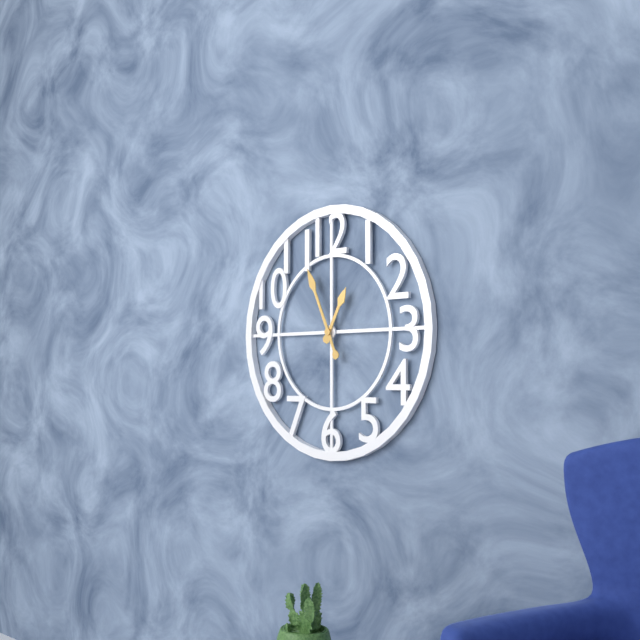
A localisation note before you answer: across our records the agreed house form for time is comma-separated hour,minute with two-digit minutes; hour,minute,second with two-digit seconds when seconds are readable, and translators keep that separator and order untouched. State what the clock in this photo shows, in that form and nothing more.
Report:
12,56
